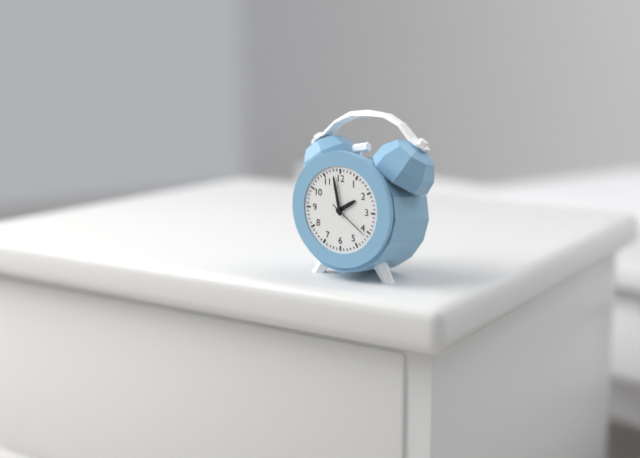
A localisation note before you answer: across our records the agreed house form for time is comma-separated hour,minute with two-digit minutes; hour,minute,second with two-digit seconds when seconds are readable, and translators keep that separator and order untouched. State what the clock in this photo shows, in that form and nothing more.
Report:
1,58
